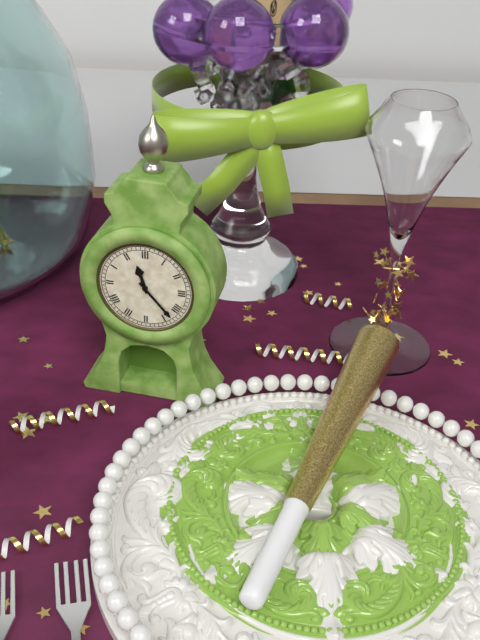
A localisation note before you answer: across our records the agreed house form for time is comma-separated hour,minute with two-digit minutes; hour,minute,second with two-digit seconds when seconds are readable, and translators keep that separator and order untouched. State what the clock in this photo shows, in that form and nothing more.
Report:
11,23
